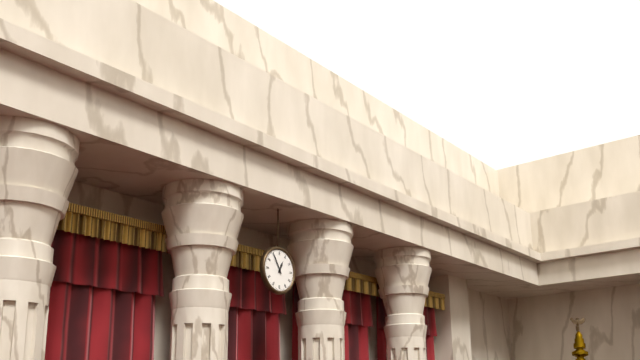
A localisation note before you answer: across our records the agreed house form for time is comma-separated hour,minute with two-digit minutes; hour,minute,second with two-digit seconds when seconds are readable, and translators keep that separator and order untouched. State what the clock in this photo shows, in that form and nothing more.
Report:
12,55
